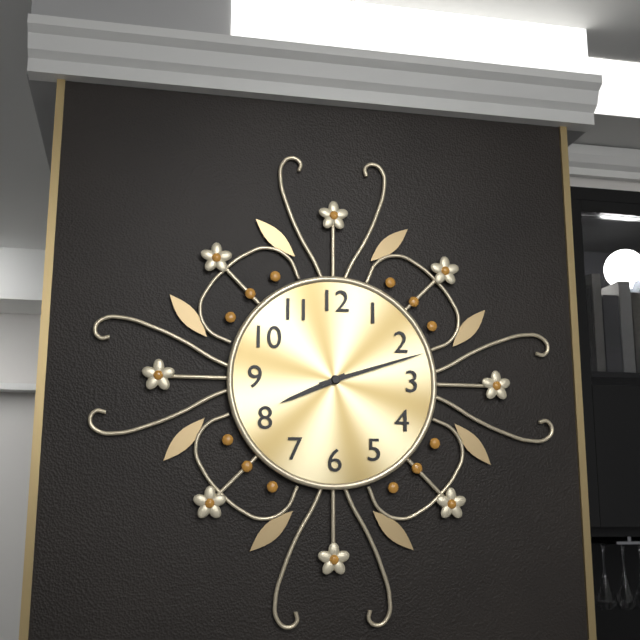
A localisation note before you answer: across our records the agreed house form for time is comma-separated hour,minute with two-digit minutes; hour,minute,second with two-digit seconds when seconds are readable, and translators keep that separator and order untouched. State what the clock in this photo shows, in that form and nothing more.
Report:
8,12
